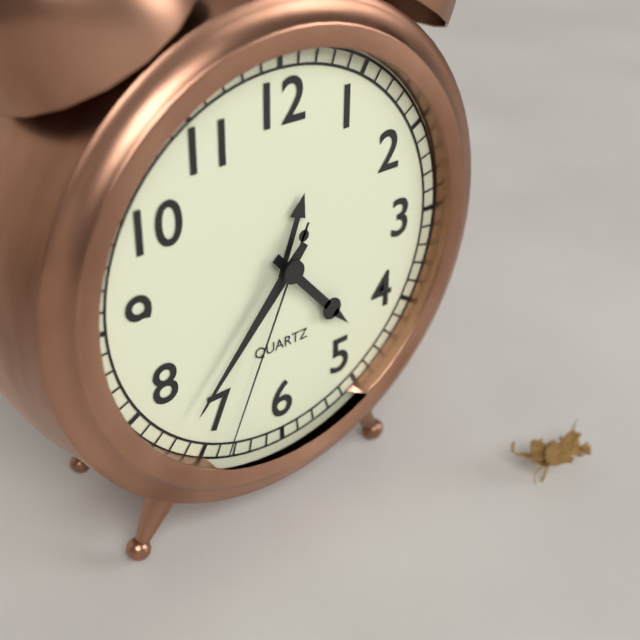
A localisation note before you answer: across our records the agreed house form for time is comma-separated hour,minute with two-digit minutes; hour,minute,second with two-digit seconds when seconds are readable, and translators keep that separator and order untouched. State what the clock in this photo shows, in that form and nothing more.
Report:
4,37,34
